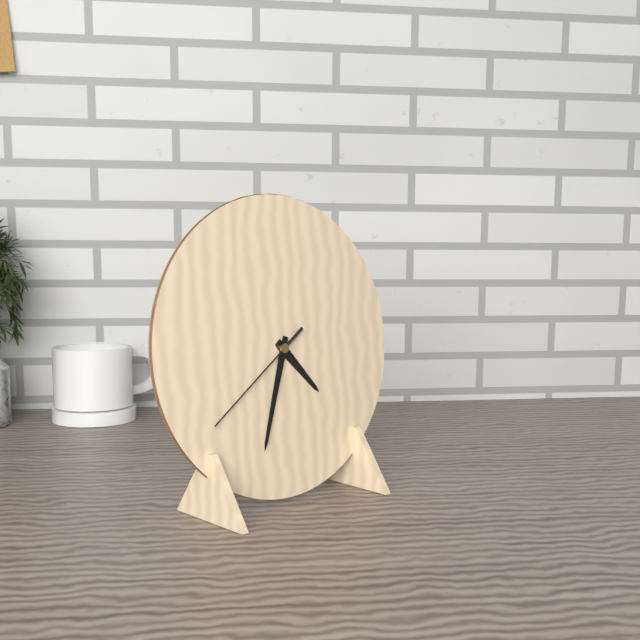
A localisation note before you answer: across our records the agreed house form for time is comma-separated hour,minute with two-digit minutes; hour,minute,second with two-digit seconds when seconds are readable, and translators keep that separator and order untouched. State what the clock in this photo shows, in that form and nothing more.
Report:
4,33,39
